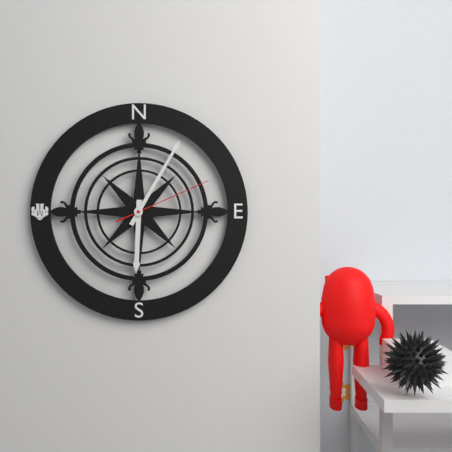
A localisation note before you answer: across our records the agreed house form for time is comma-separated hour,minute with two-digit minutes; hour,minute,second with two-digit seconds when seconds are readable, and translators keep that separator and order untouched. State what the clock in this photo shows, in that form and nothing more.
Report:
6,05,11
